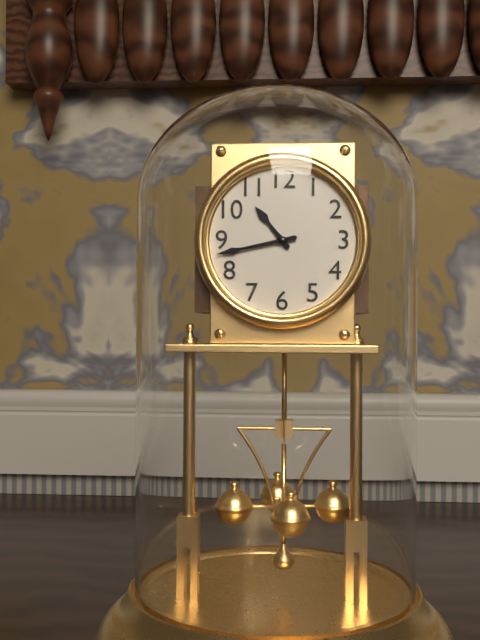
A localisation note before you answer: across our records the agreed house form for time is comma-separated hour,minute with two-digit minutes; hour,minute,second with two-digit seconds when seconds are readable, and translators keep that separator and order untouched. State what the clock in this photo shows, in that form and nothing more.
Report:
10,43
